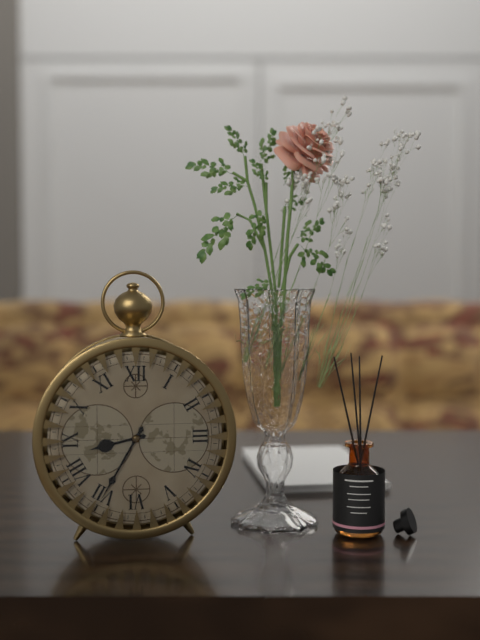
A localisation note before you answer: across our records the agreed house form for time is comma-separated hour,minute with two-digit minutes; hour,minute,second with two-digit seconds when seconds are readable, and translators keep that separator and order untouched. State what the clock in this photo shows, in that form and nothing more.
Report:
8,35
